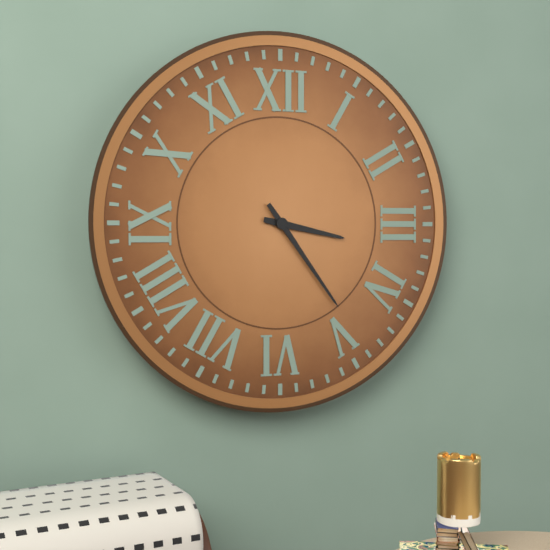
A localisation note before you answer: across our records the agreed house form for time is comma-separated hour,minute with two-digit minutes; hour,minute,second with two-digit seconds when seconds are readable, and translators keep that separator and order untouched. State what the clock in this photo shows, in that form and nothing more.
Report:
3,24
